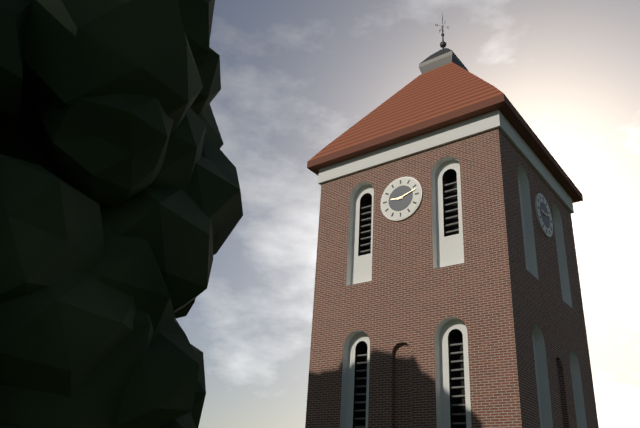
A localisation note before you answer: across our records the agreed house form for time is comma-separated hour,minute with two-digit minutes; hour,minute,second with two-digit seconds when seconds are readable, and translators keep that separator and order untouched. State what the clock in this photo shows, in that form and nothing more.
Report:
9,12
